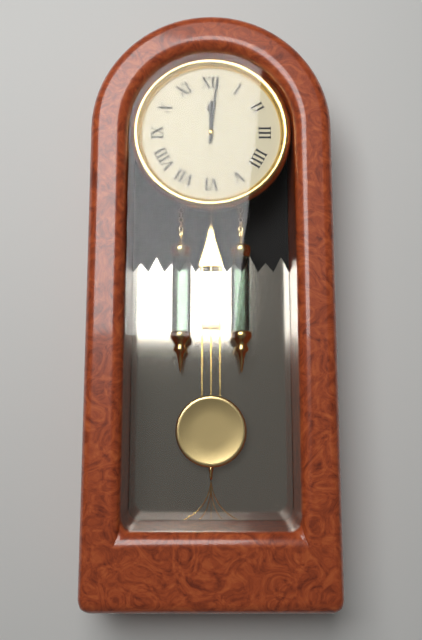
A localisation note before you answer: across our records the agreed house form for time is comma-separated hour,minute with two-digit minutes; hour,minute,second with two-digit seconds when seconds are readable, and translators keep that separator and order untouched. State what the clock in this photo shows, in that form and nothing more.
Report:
12,01
